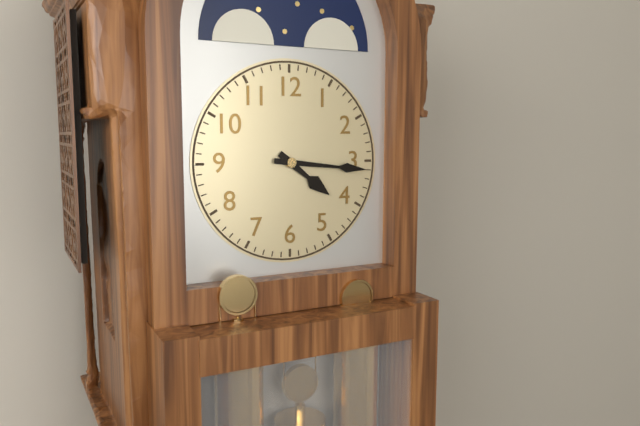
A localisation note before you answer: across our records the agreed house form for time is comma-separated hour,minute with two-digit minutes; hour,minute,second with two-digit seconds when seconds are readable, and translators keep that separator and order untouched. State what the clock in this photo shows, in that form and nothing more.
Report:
4,16
